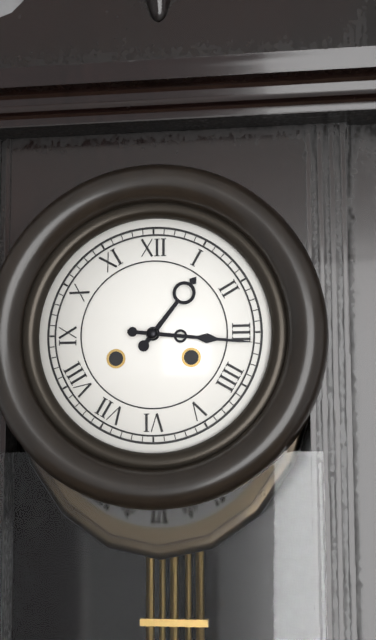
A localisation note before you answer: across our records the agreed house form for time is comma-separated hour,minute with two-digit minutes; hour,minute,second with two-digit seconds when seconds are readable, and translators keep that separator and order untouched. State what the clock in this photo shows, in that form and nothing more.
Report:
1,16
